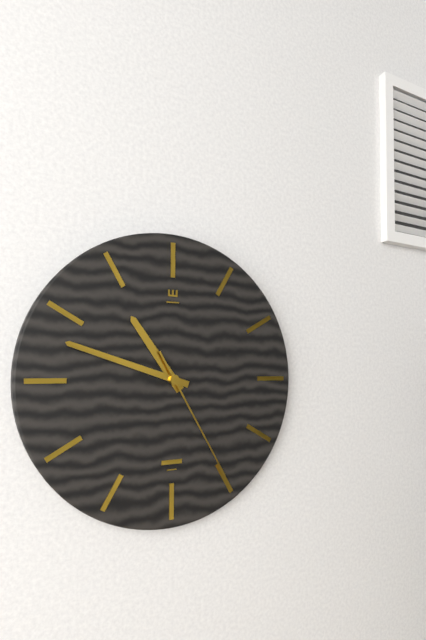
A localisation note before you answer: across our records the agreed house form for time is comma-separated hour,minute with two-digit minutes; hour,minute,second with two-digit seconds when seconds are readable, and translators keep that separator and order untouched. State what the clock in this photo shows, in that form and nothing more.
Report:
10,48,25
